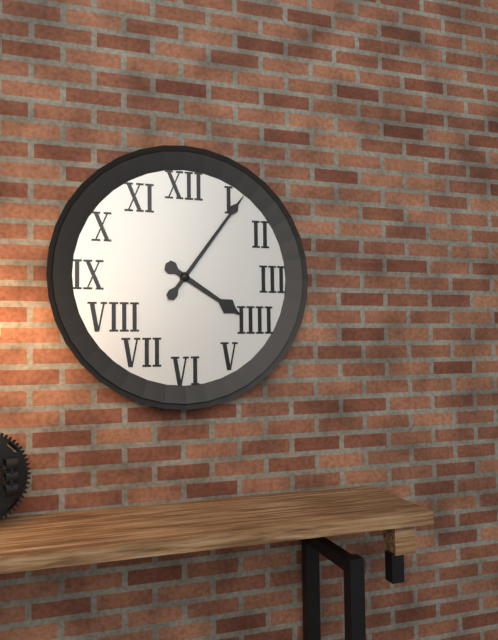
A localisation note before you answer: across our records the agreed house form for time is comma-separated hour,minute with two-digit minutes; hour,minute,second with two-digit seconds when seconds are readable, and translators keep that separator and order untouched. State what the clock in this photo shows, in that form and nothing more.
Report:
4,06
